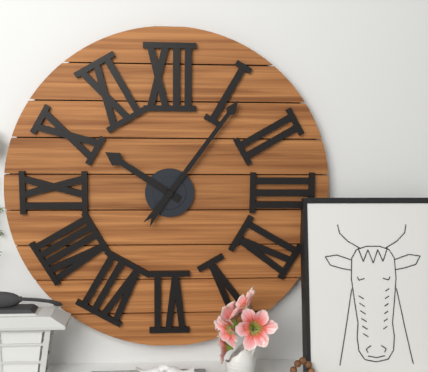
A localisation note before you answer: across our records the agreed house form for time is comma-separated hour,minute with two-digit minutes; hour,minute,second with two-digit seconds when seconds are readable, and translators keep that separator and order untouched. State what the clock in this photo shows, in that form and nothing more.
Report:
10,06
